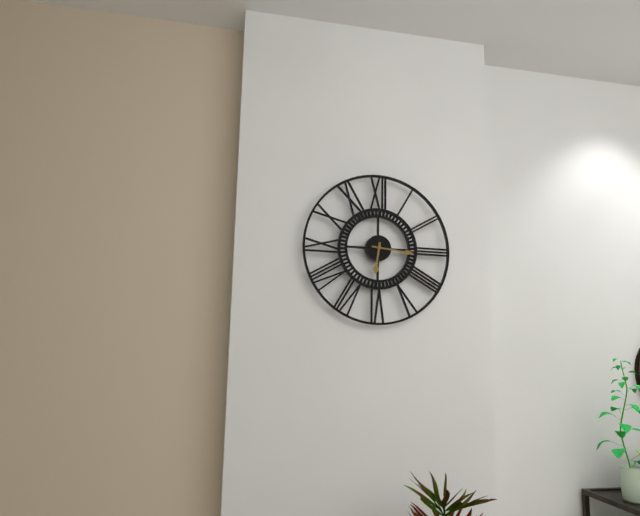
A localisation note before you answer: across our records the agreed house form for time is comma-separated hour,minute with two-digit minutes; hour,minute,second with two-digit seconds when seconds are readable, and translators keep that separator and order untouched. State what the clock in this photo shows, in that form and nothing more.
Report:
6,16
